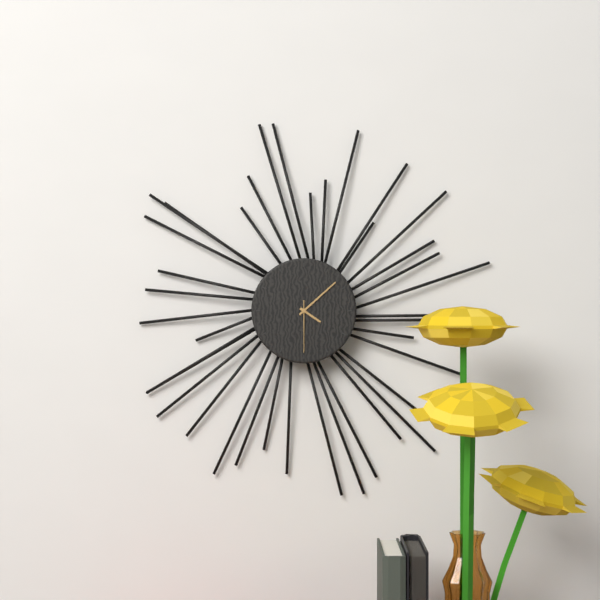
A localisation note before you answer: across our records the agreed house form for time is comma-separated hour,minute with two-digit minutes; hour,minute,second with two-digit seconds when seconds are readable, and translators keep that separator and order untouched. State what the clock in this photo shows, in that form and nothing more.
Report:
4,08,30
